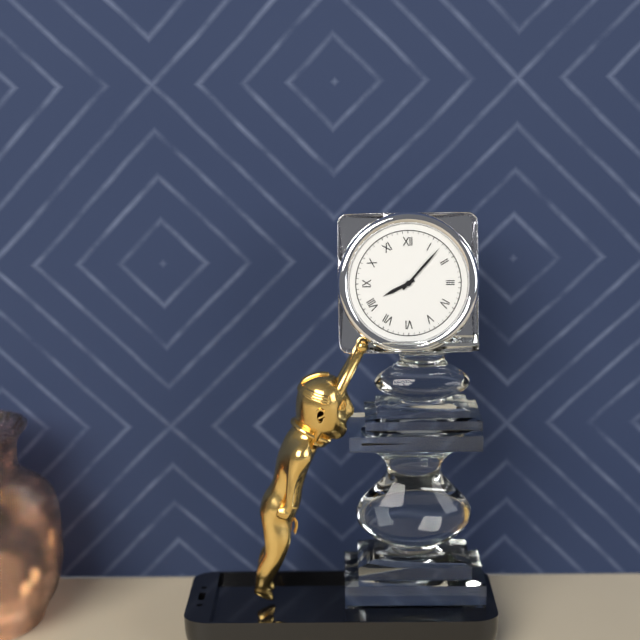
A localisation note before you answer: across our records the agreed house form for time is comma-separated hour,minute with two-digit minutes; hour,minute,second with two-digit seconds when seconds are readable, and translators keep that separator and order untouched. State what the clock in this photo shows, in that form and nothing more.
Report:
8,07
